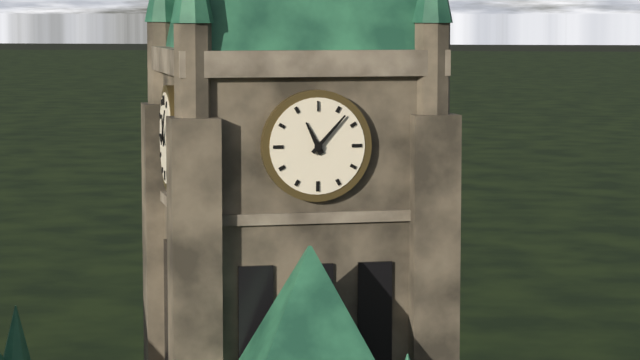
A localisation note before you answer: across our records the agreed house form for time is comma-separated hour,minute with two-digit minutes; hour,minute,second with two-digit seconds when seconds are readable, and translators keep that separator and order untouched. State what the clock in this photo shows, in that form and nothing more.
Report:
11,07
